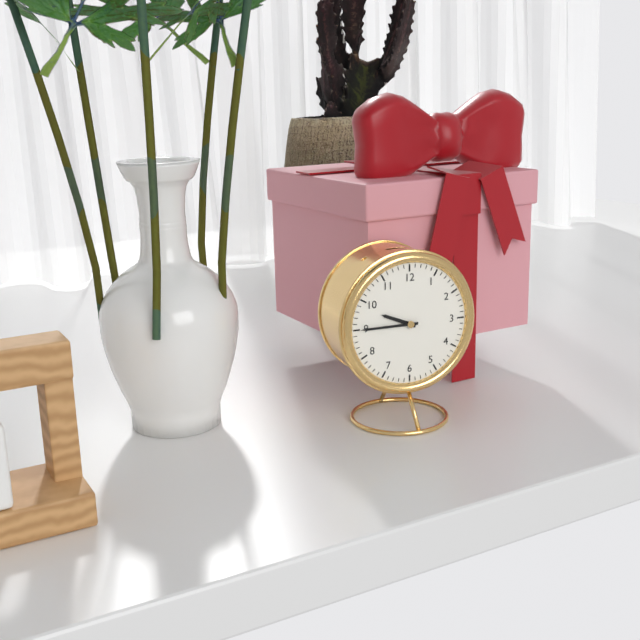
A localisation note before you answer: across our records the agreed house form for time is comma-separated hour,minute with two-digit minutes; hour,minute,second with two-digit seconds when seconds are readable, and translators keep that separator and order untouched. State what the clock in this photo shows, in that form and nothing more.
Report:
9,45
